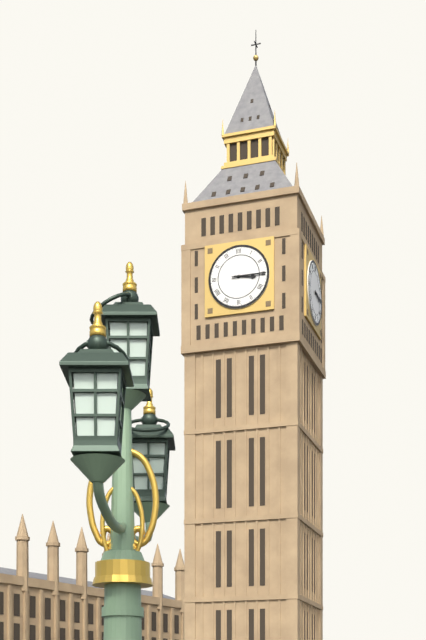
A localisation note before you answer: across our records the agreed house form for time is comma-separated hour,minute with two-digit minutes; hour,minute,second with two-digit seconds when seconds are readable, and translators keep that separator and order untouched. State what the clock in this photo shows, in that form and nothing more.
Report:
3,15
